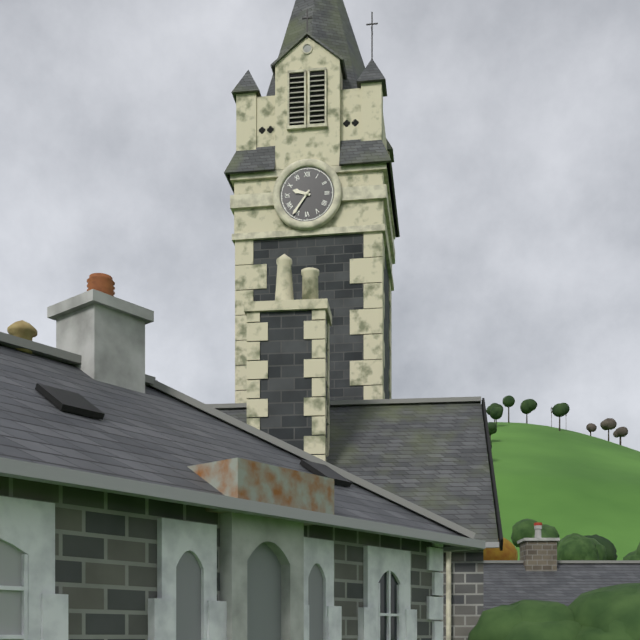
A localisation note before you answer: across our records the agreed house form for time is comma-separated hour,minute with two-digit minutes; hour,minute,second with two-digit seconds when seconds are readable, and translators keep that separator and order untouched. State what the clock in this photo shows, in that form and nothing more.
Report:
9,36
